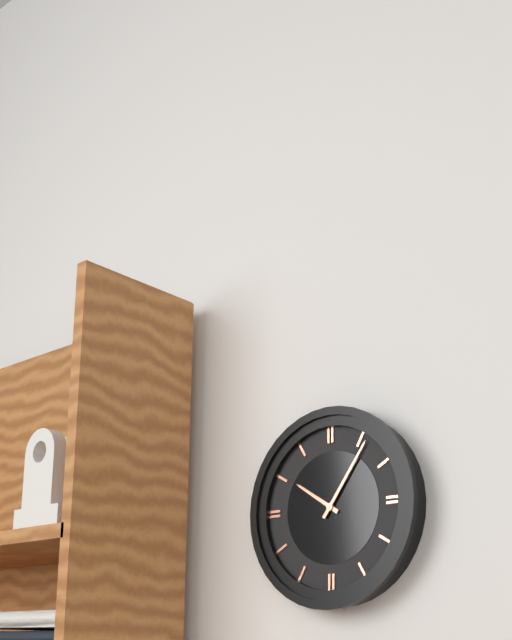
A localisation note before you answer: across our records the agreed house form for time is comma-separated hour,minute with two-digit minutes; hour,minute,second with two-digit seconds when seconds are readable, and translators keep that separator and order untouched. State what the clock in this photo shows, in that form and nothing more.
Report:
10,06
